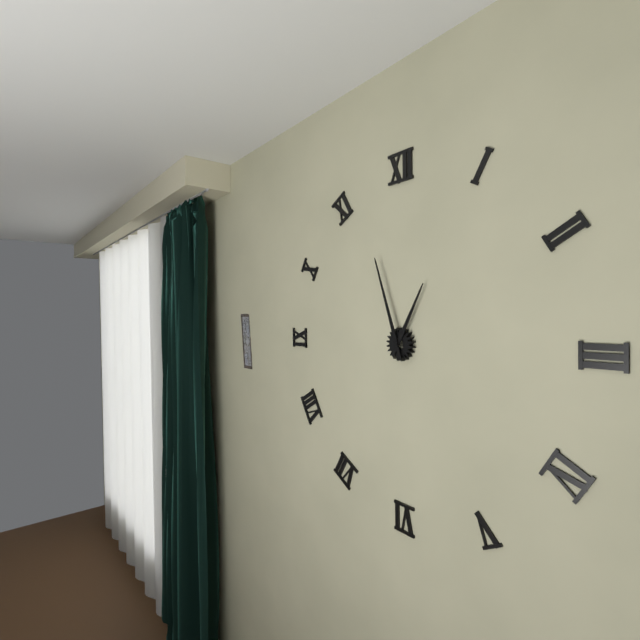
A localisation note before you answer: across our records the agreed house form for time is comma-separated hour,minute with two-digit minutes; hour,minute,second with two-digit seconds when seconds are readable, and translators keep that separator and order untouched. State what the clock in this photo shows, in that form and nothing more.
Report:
12,57
